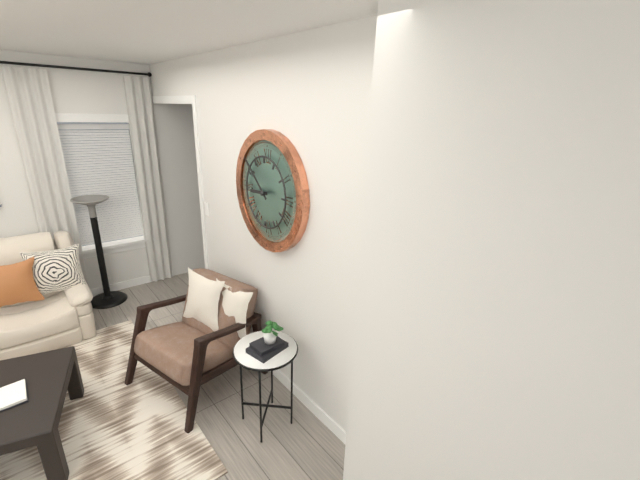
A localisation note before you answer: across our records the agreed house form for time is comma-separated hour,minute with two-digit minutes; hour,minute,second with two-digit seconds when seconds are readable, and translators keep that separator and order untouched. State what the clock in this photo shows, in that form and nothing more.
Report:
8,52
